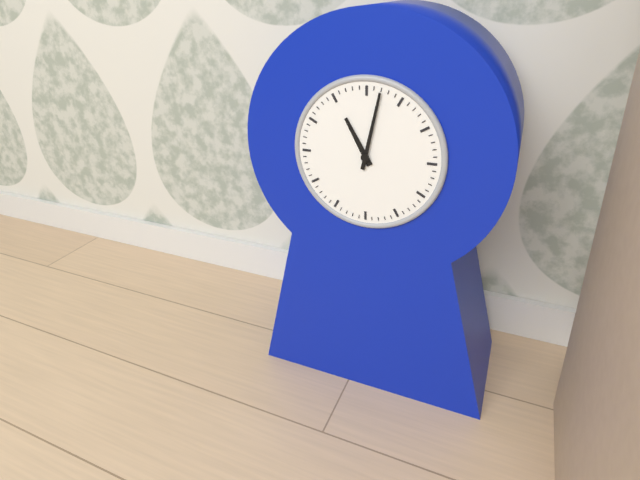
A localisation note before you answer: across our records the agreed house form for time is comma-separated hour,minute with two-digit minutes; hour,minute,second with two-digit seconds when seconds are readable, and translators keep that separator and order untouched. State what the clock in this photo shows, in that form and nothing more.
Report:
11,02
